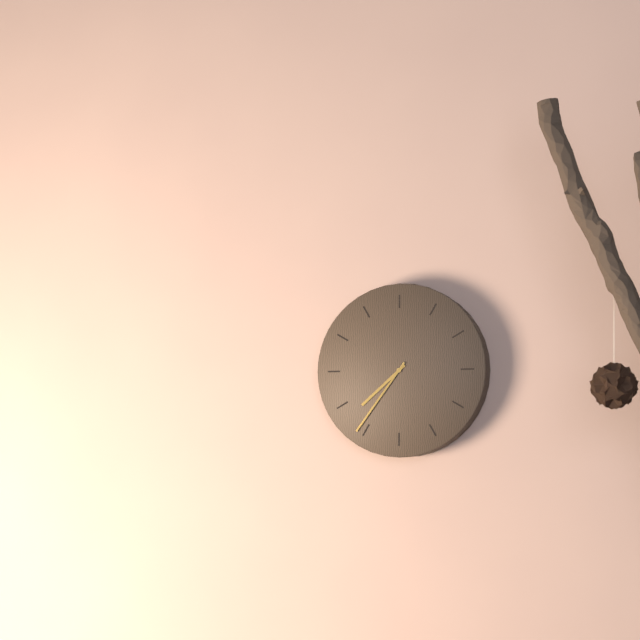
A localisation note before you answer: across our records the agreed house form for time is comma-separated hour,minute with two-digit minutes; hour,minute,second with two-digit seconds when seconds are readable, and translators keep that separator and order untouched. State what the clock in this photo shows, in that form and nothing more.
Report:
7,36
